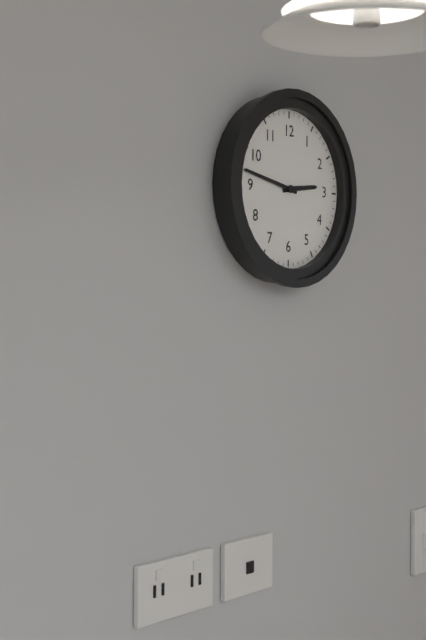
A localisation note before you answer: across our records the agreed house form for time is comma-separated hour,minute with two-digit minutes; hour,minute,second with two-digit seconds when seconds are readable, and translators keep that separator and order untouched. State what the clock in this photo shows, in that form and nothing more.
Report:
2,47
